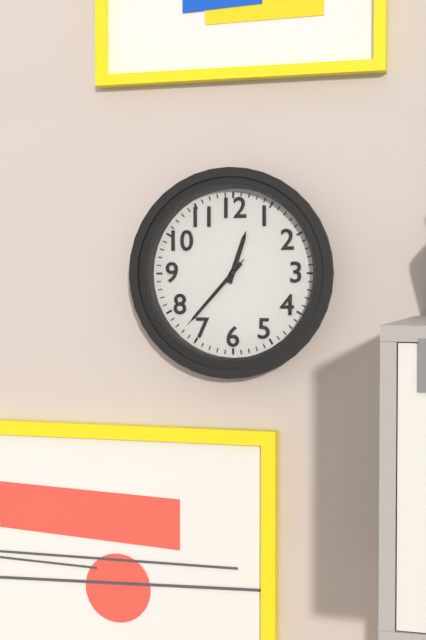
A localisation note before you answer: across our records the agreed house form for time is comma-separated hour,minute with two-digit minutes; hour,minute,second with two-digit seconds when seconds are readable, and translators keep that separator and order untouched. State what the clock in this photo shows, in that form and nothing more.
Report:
12,37,37
